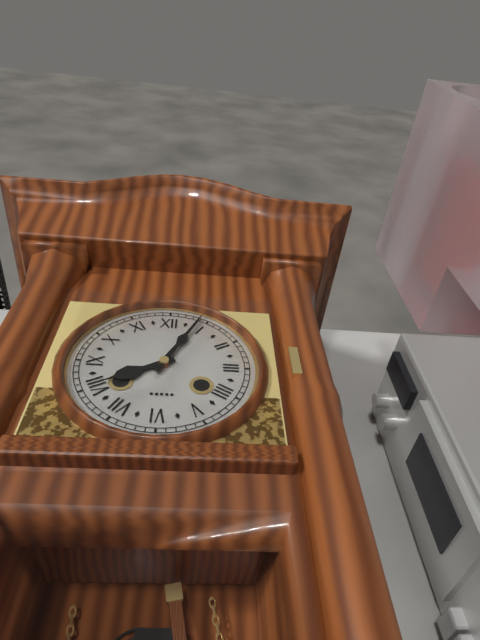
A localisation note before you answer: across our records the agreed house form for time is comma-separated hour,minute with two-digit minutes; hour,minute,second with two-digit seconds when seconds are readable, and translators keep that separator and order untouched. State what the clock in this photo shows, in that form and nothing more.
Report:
8,04
